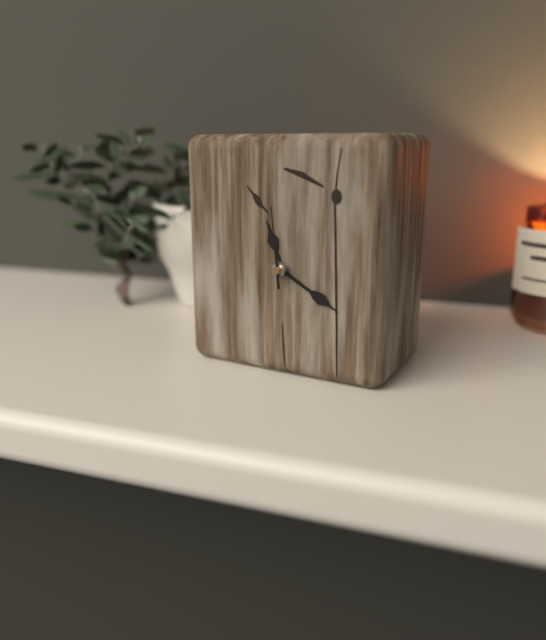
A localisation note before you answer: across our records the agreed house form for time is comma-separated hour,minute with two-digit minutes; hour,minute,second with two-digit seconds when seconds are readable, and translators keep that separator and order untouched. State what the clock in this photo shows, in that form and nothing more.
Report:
11,20,59
